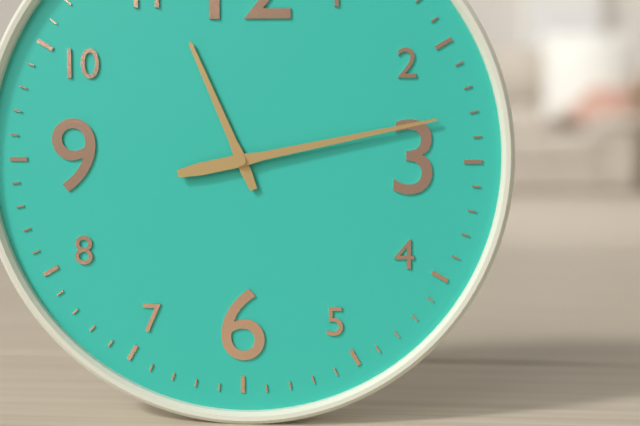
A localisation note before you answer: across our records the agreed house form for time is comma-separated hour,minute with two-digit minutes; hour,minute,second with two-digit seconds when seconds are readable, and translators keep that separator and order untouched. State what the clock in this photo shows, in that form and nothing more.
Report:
11,13
